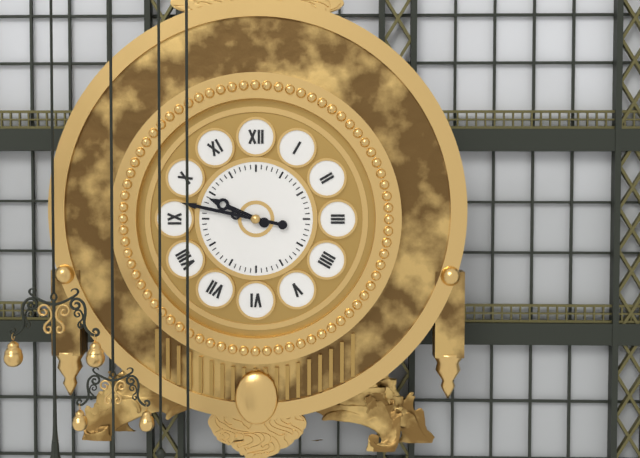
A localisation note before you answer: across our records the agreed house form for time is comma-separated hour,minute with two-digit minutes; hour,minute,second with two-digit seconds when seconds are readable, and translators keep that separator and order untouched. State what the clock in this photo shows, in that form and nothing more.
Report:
9,47
